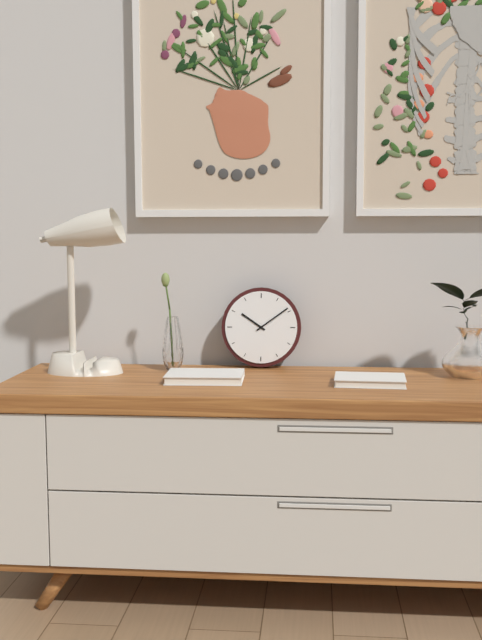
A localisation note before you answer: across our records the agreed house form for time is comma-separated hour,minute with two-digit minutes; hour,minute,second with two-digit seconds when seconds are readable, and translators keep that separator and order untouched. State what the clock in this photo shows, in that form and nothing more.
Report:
10,09
